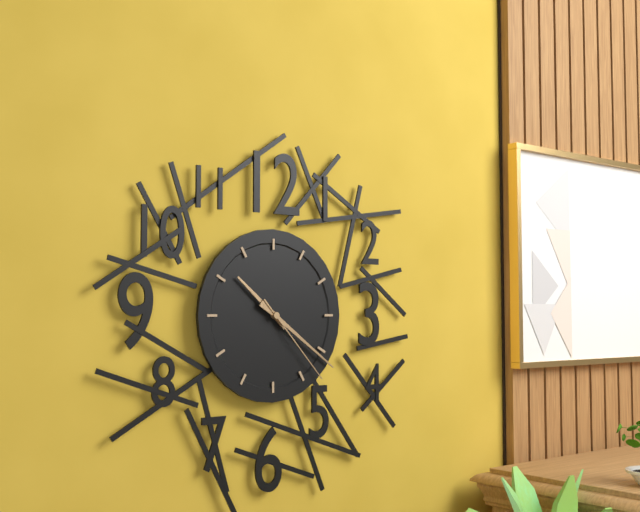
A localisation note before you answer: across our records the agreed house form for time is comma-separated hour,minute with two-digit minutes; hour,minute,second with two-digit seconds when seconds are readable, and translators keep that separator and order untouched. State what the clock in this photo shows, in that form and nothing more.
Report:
10,21,23
